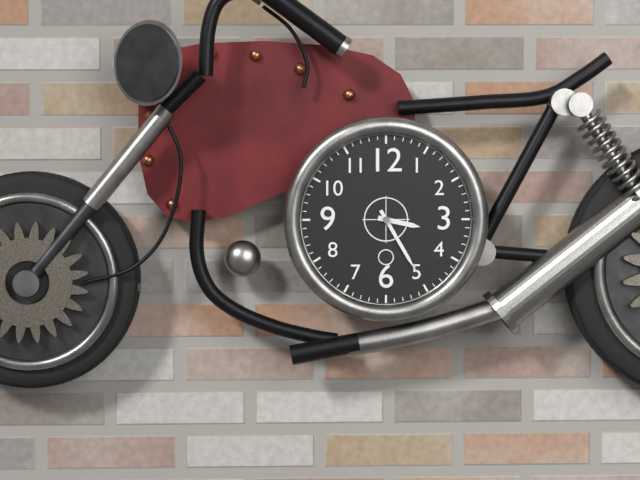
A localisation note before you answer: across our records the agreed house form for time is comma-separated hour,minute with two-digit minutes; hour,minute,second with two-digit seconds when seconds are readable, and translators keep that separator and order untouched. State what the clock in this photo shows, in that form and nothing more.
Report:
3,25
